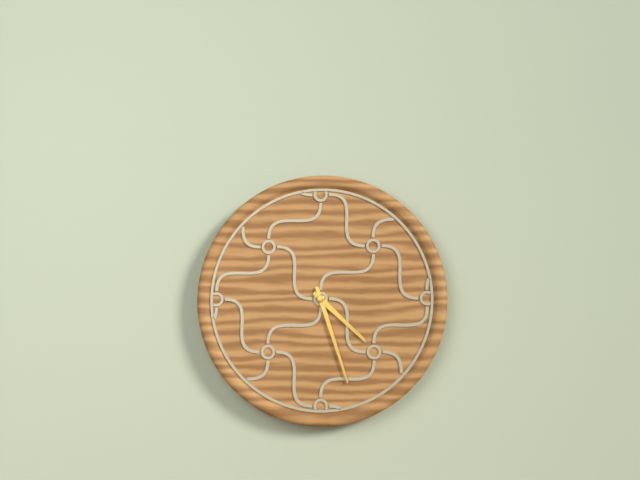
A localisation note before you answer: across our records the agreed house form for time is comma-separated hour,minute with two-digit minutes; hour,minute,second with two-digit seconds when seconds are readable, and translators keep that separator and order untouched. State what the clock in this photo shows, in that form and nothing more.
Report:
4,27
